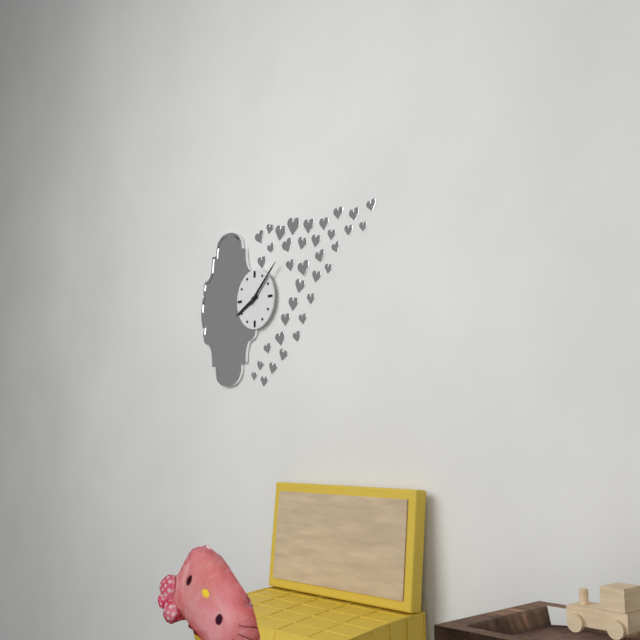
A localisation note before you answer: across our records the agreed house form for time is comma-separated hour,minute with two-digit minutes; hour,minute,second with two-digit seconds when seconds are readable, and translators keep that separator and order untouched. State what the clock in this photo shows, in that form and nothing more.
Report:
8,08
